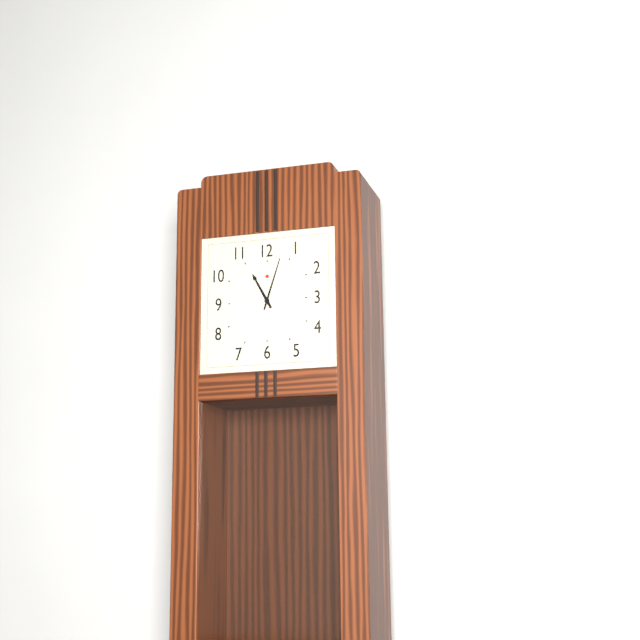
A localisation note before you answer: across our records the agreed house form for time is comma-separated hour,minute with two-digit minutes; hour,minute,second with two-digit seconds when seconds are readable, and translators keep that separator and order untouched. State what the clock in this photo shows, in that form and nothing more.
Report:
11,03
